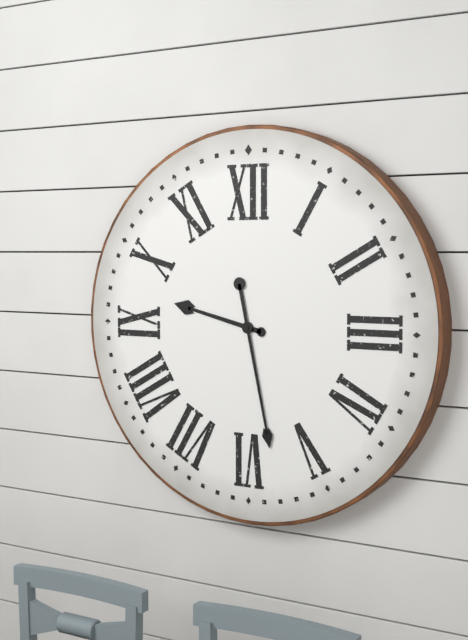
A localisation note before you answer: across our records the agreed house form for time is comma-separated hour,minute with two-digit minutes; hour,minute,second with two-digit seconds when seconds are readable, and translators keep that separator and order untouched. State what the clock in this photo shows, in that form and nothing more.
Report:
9,28
